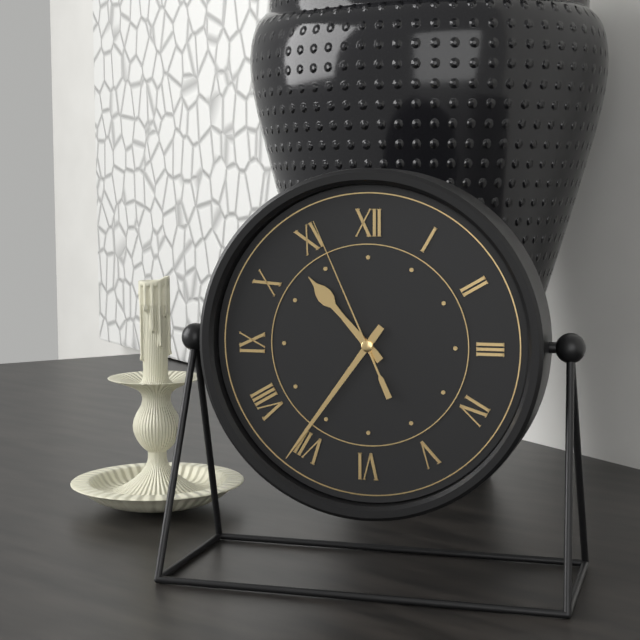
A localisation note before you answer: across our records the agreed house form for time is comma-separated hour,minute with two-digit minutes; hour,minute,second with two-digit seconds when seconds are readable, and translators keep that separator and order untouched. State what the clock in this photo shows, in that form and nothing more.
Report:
10,36,56
